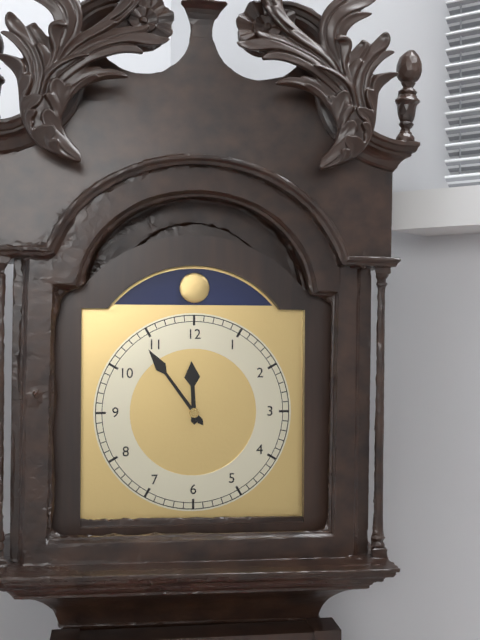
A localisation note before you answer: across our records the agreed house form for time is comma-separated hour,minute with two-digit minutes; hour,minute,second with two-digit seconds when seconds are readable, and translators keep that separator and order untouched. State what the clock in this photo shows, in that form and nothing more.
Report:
11,54
